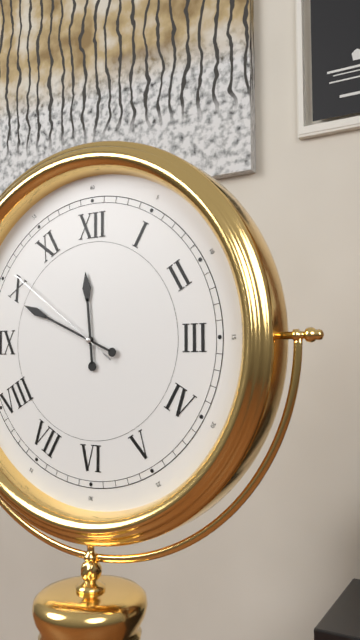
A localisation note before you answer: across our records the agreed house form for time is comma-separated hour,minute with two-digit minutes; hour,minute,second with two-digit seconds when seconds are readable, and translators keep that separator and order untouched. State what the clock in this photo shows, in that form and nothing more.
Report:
11,49,51
